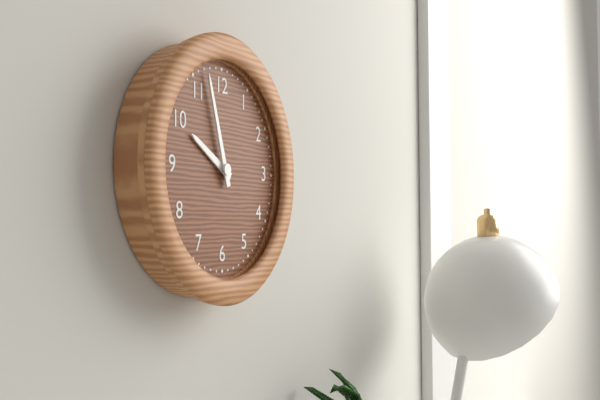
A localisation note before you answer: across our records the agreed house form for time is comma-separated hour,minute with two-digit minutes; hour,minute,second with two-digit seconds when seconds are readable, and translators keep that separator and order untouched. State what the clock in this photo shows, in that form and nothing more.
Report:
9,57
